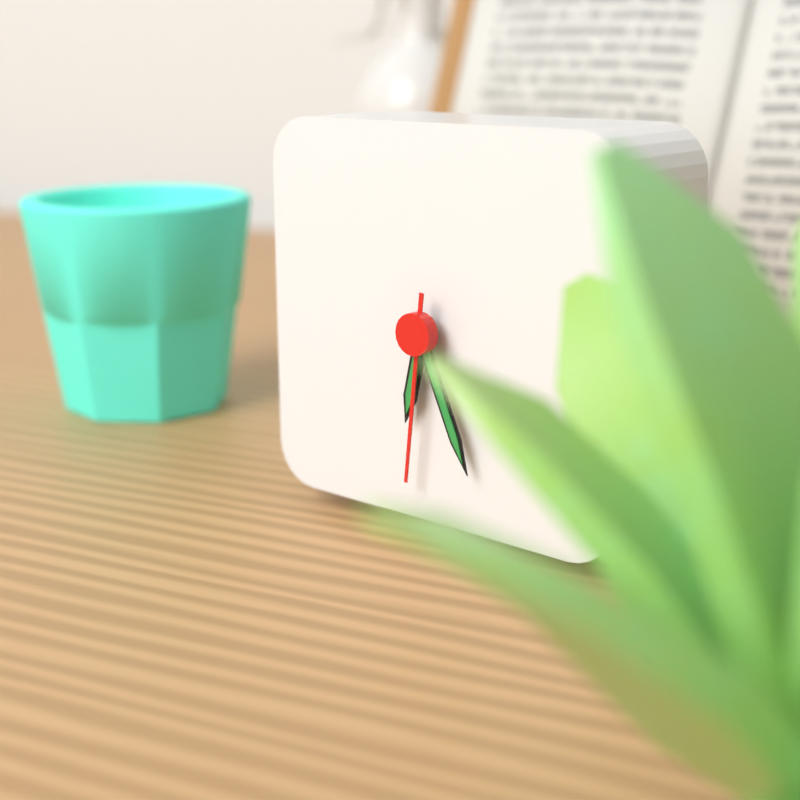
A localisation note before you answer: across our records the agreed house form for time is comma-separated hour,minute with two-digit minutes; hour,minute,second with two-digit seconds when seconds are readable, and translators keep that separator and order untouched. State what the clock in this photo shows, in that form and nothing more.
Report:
6,26,31
